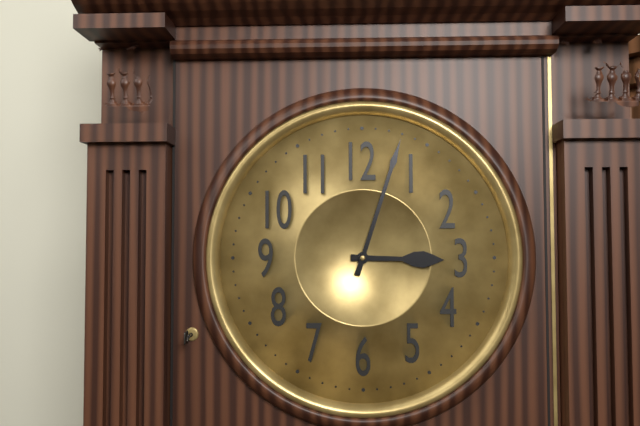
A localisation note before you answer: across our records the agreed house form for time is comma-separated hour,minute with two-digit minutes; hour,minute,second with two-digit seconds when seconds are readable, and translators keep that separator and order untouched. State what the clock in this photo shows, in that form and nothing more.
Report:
3,03
